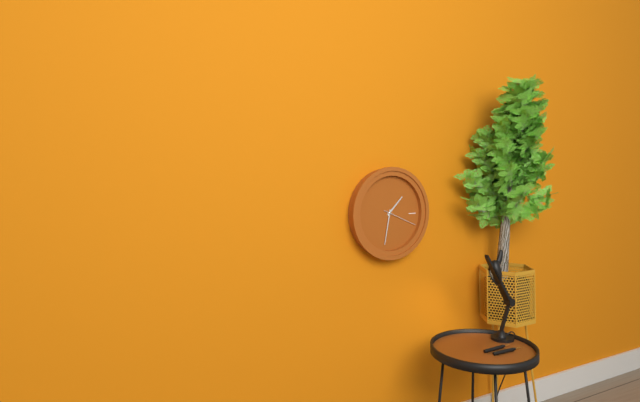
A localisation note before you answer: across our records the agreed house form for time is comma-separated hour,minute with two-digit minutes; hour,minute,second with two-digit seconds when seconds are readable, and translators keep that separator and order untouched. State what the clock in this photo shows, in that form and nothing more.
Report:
1,32
